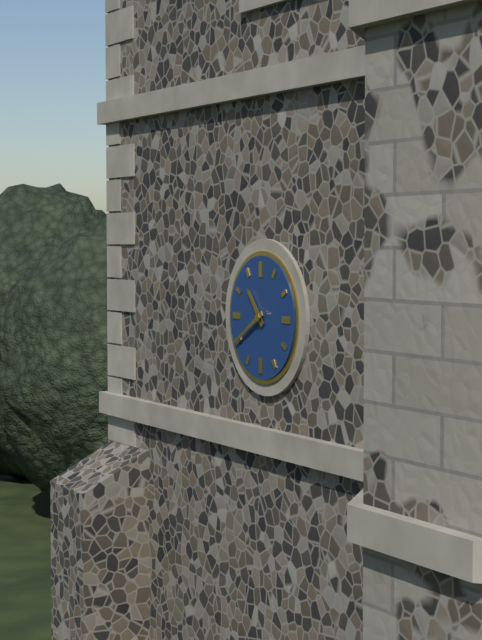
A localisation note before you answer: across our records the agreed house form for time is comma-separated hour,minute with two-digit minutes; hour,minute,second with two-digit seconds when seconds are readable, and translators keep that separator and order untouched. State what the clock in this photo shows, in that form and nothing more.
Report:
10,40
